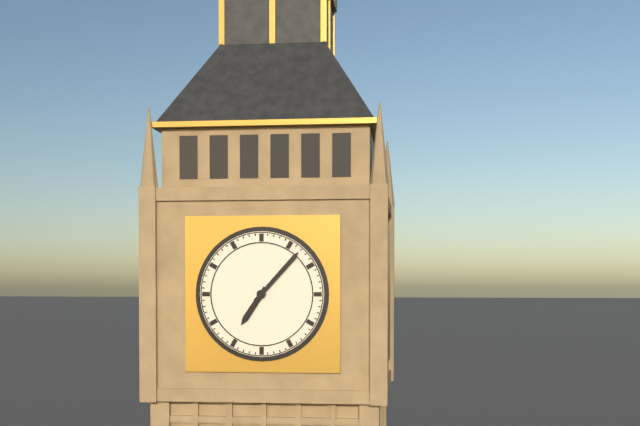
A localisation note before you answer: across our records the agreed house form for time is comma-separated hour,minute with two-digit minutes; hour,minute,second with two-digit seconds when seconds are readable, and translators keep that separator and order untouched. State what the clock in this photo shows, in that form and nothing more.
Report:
7,07
